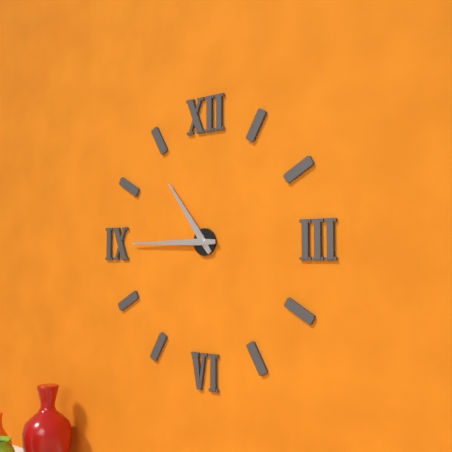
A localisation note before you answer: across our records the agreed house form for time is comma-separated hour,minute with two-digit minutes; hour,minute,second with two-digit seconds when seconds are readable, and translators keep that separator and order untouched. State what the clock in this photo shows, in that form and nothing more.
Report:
10,45
